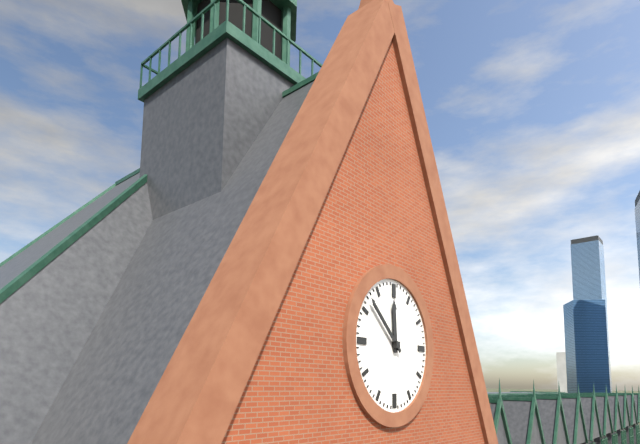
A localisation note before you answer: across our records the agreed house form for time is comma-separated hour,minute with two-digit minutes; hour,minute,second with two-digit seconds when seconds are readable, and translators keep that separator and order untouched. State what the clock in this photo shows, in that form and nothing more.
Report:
11,52
